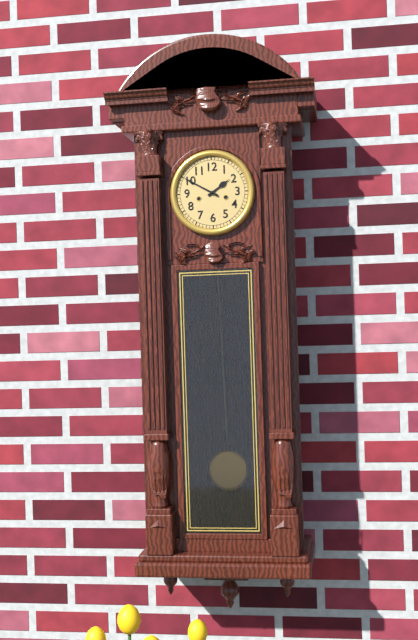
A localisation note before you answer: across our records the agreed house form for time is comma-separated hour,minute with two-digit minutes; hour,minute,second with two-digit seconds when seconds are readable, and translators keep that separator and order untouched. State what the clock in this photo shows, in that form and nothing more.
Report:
1,50
